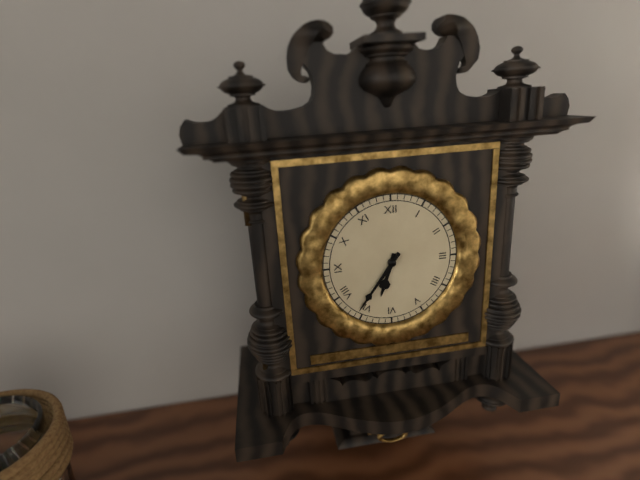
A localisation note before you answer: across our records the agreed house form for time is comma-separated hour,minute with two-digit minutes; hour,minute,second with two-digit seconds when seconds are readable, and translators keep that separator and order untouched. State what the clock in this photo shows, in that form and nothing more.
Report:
6,36
